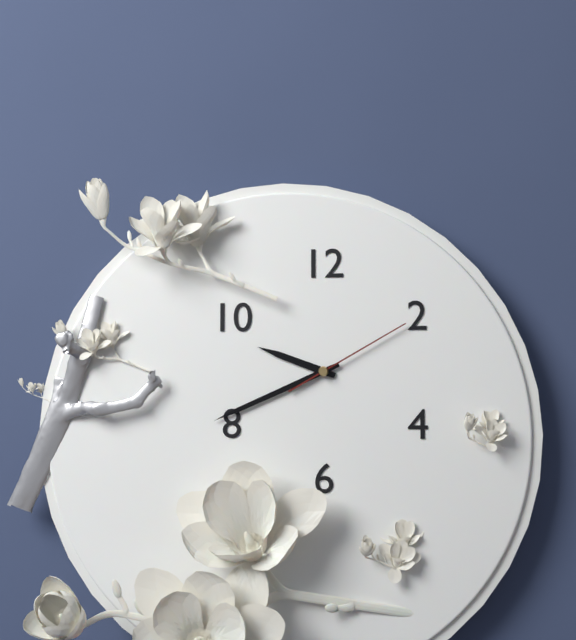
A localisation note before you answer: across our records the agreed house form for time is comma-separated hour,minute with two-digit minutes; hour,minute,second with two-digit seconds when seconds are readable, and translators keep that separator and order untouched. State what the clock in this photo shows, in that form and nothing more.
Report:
9,41,10
